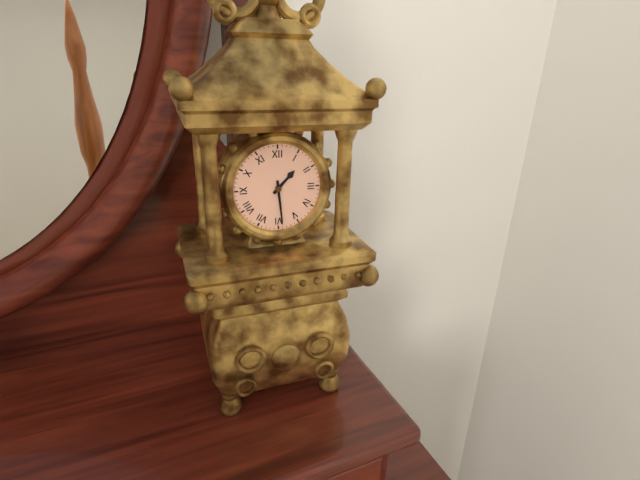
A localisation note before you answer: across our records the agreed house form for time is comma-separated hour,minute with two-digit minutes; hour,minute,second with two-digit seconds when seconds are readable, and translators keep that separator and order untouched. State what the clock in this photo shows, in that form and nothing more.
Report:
1,29
